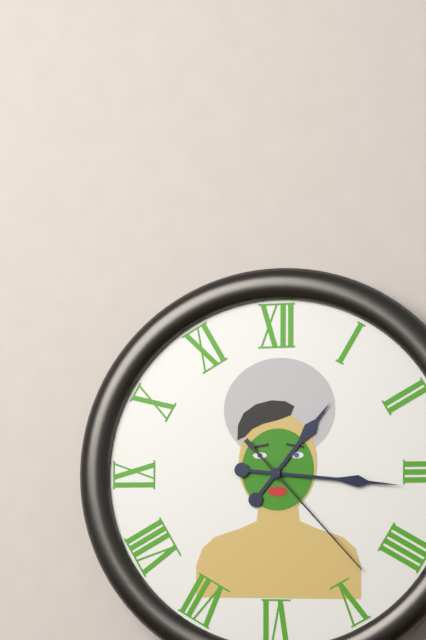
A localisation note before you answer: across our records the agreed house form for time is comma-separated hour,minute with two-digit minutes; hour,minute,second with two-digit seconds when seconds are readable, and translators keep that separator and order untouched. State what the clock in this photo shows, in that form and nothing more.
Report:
1,16,23
